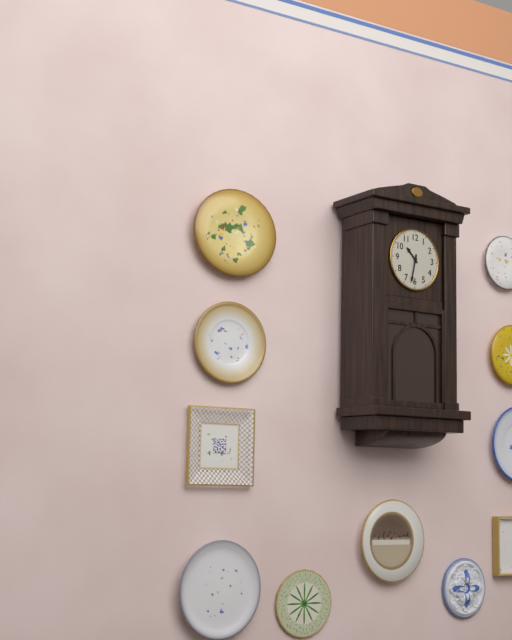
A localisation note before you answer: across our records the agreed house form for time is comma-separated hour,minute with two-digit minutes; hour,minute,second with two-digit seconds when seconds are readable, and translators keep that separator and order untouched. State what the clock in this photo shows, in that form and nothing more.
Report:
10,32
